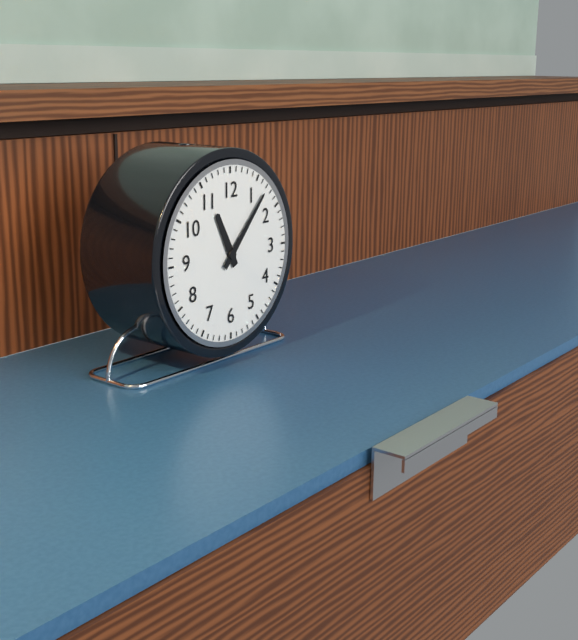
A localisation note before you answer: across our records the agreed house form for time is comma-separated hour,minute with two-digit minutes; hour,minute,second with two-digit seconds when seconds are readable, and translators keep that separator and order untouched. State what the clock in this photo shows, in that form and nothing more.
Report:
11,07
